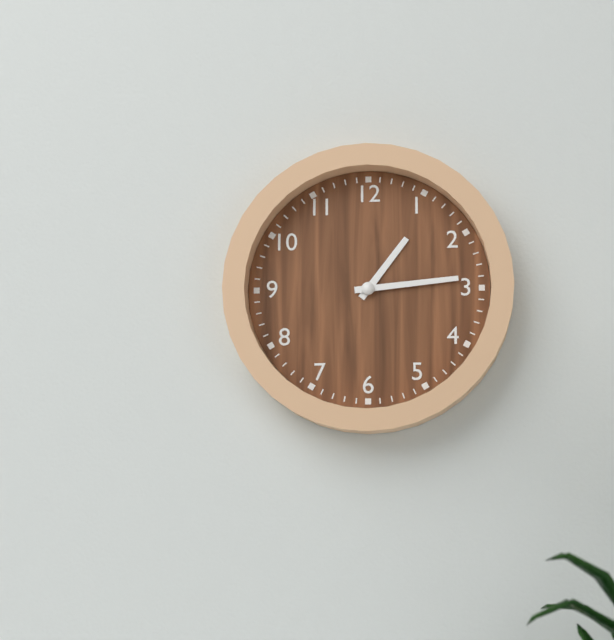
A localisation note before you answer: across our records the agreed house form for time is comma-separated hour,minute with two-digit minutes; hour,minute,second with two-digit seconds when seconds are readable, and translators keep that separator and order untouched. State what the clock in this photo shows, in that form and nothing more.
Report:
1,14
